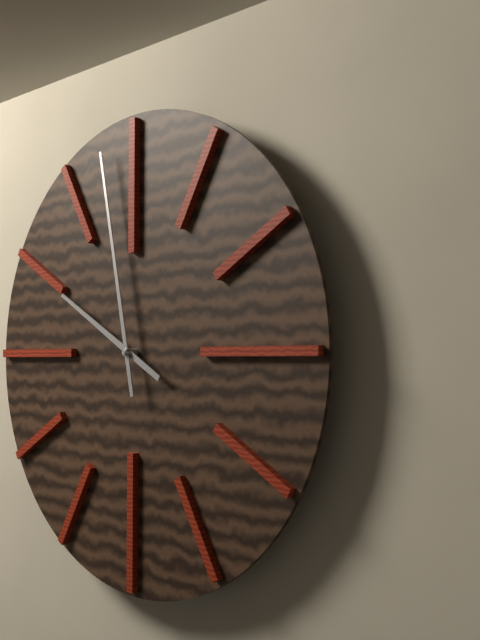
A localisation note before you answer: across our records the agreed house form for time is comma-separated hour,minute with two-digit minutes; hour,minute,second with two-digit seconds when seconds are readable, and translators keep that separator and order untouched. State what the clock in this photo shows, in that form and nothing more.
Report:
9,58
